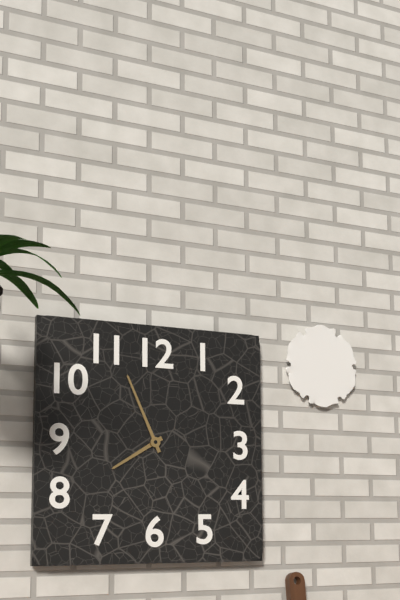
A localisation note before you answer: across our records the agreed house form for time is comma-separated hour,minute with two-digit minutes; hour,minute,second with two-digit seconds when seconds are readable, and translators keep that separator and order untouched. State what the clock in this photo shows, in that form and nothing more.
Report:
7,56
